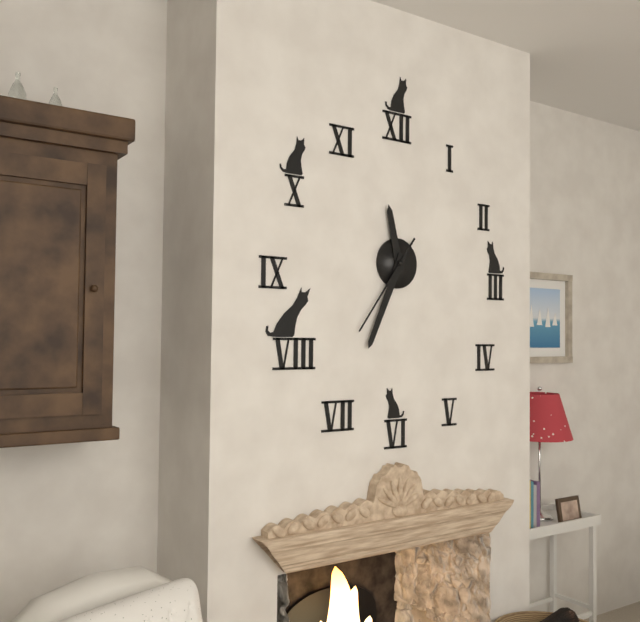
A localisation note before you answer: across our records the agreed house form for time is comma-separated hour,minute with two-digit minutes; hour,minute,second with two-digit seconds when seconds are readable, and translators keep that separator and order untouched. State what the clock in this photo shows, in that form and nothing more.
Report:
11,34,36
